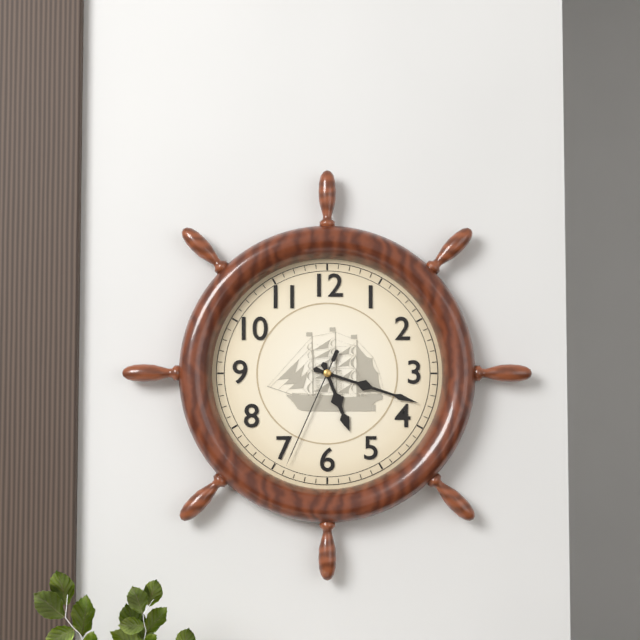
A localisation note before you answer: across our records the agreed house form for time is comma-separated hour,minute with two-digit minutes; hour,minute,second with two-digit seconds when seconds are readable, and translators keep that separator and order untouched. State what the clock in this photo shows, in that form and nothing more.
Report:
5,18,34
